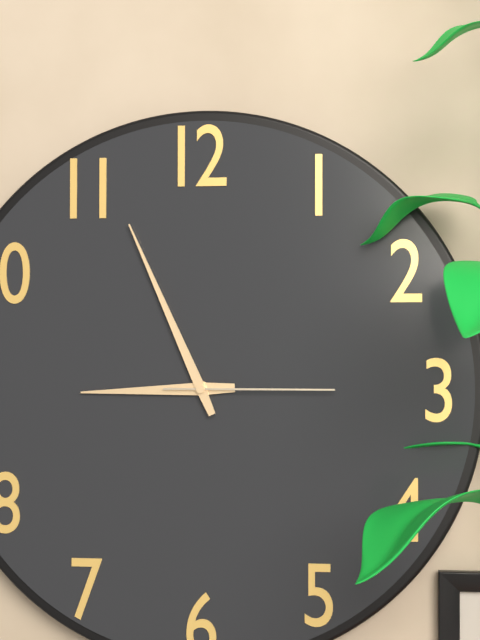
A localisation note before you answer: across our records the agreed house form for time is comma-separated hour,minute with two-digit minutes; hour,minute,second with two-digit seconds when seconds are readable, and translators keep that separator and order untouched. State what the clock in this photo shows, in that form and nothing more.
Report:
8,56,15
